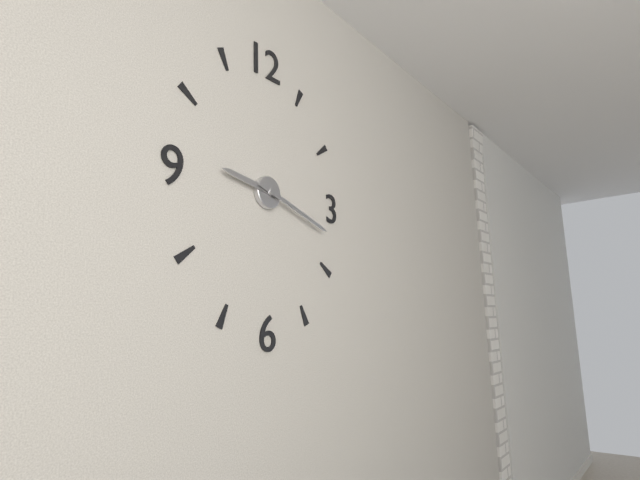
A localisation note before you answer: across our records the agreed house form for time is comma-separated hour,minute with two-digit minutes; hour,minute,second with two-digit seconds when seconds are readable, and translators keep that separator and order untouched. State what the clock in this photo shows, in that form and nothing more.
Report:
9,18
